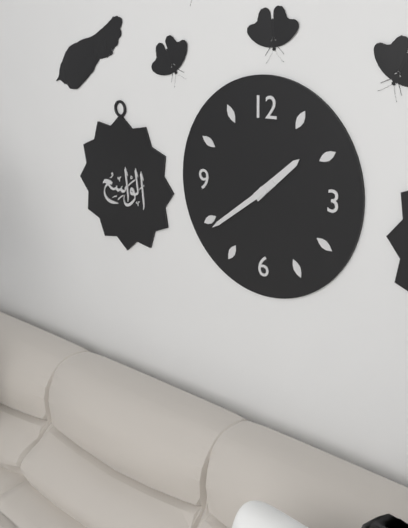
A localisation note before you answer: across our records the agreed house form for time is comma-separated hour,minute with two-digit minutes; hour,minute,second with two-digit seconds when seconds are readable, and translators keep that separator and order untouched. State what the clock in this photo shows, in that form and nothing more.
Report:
1,39
